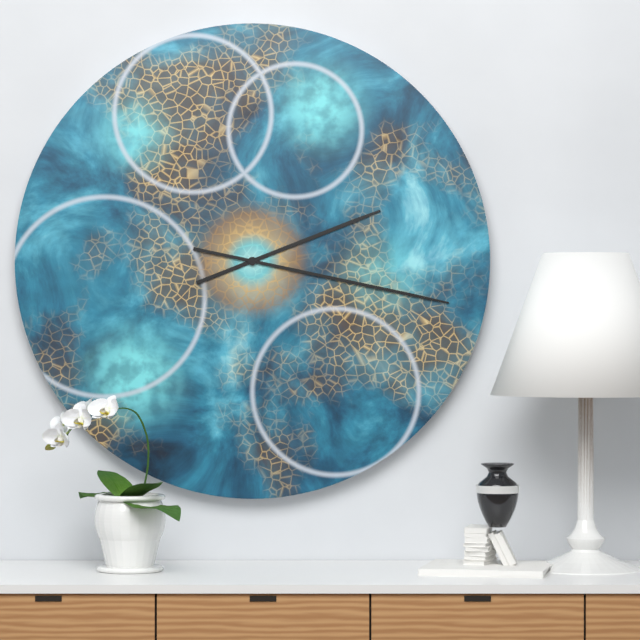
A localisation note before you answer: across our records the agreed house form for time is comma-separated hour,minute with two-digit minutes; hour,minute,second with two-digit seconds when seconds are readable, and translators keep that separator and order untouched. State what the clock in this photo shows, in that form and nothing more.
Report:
2,17
